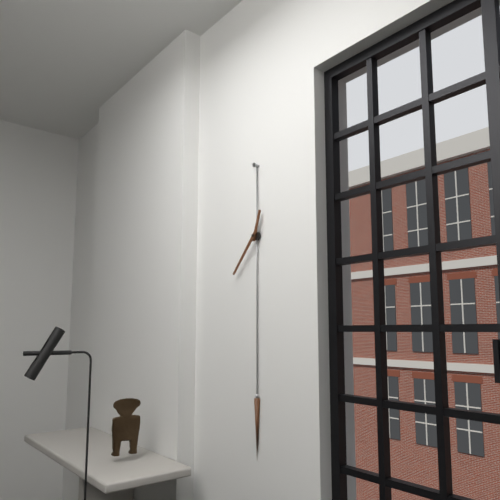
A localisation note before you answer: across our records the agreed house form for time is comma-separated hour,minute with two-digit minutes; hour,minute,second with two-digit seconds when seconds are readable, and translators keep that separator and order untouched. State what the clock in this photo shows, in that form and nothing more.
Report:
12,37
